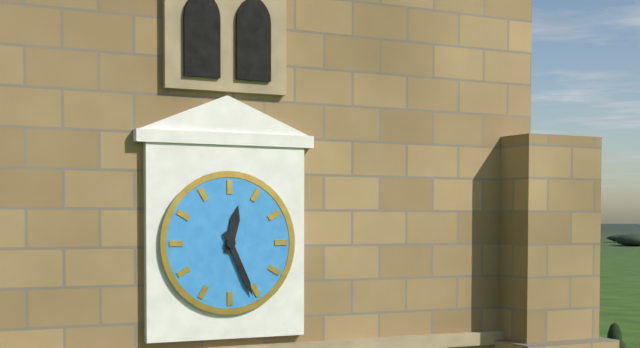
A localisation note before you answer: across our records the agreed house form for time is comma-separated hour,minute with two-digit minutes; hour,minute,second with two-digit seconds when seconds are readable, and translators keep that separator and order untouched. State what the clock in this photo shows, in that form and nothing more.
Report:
12,26
